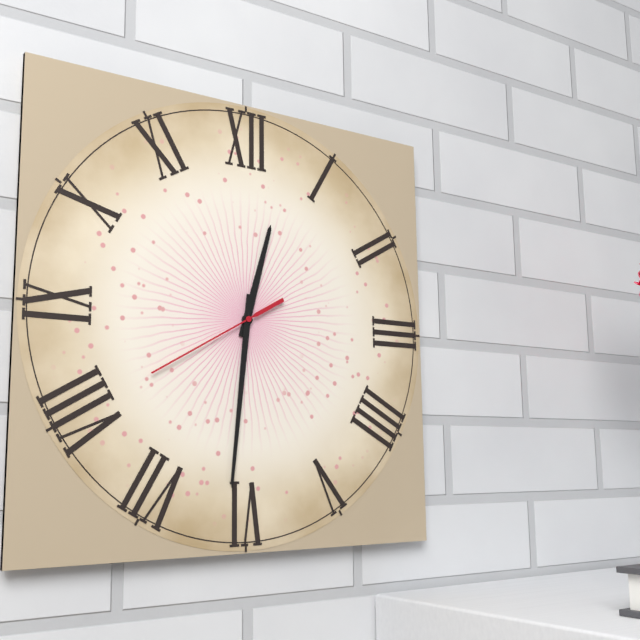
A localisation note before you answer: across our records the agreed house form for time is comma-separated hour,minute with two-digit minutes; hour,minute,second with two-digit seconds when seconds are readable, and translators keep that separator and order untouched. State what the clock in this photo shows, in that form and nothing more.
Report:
12,31,40
